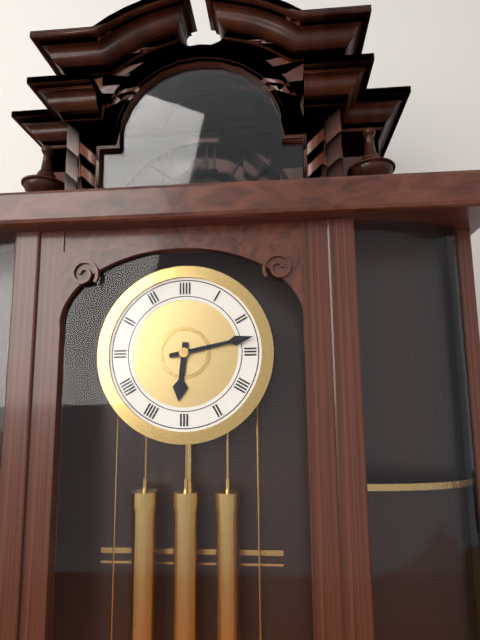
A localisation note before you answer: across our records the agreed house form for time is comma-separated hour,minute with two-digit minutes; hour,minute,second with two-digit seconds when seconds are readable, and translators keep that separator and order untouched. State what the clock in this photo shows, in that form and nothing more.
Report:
6,13
